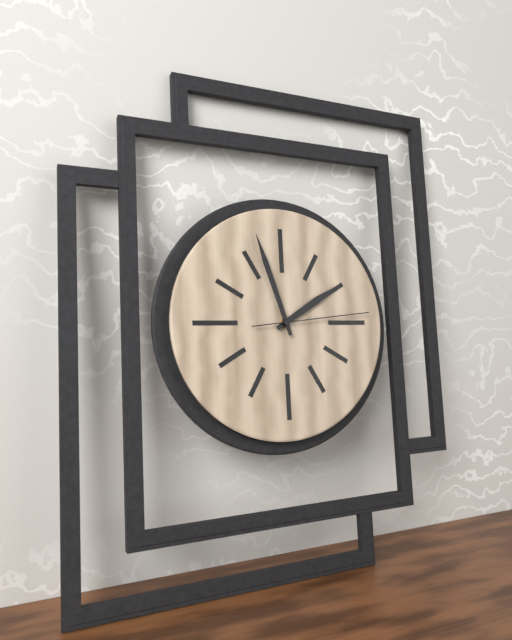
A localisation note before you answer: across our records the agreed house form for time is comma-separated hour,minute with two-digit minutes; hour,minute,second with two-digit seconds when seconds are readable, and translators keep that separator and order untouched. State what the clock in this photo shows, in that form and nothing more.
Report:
1,57,14
